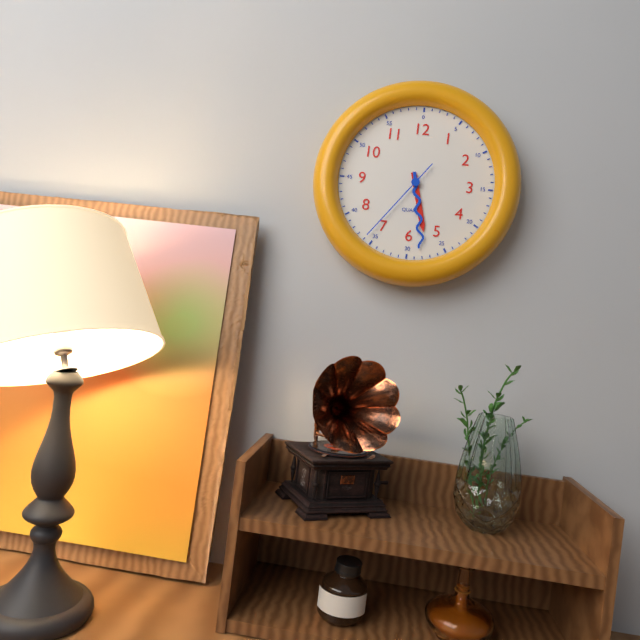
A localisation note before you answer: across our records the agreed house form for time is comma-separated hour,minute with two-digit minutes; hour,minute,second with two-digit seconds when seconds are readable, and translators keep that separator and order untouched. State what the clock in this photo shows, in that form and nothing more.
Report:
5,28,36
